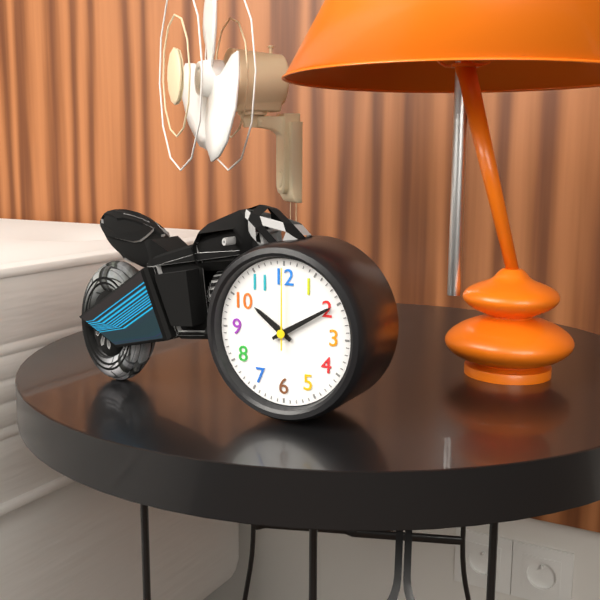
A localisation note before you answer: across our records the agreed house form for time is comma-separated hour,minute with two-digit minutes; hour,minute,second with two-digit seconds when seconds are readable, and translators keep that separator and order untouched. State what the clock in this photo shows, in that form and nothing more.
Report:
10,10,00
